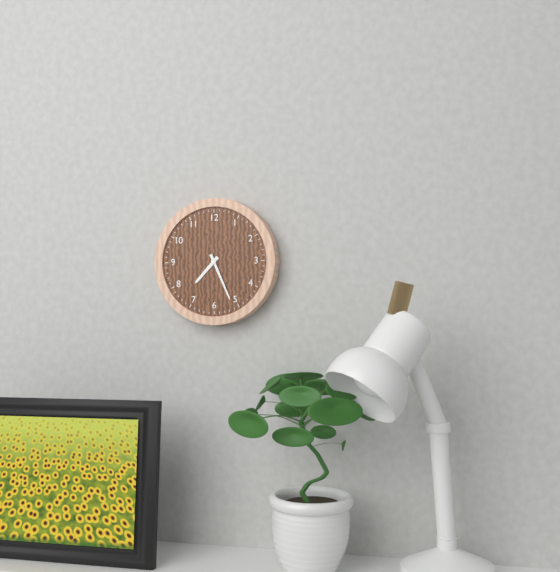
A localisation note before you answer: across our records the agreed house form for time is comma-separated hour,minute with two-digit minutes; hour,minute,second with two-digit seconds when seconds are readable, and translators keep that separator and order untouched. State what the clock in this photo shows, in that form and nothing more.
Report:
7,26
